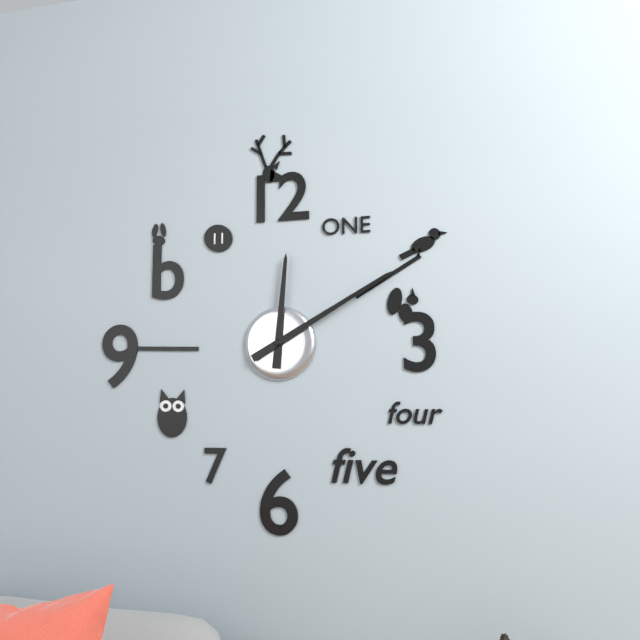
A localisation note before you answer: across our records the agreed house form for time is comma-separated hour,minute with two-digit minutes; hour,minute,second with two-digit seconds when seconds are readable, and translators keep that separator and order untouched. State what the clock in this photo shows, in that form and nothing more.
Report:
12,10
